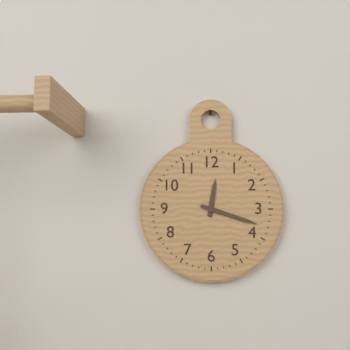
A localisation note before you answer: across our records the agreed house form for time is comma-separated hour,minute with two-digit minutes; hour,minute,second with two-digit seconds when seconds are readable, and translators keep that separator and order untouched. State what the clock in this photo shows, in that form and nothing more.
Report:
12,18
